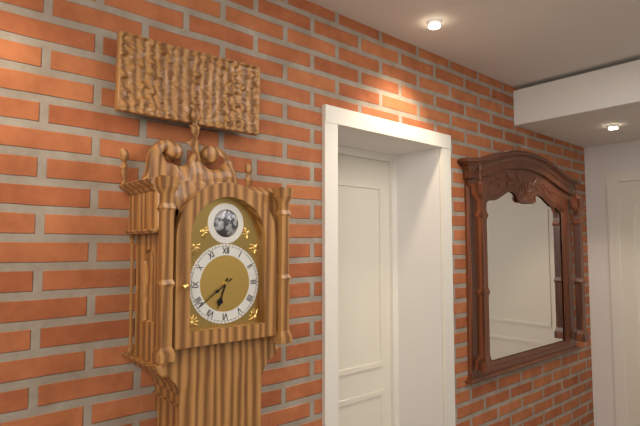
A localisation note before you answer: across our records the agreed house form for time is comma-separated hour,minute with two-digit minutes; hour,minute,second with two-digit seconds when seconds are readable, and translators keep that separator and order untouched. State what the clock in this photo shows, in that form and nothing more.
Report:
6,39
